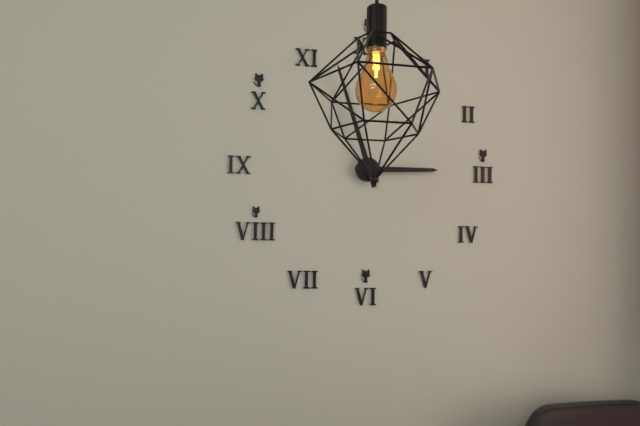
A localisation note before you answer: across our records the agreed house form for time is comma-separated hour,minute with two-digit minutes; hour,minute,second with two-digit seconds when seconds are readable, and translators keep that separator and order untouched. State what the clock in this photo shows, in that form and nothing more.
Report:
2,57
